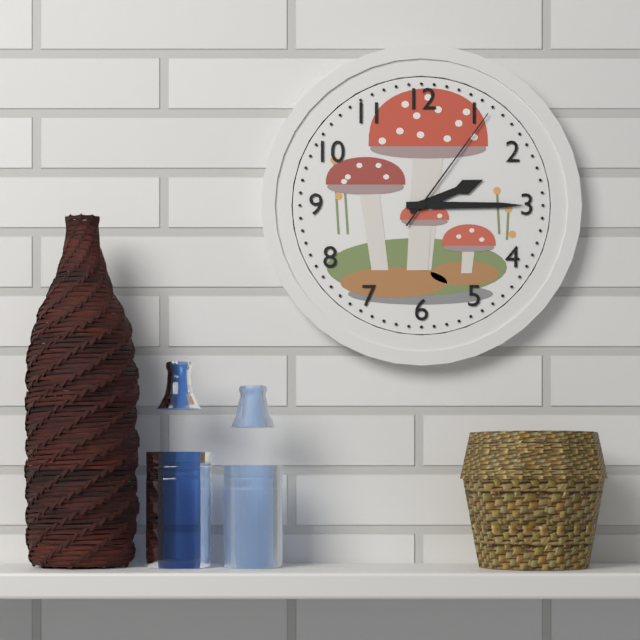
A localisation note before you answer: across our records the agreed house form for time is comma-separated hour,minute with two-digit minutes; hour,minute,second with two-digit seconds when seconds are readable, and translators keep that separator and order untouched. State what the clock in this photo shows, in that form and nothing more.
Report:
2,15,06
